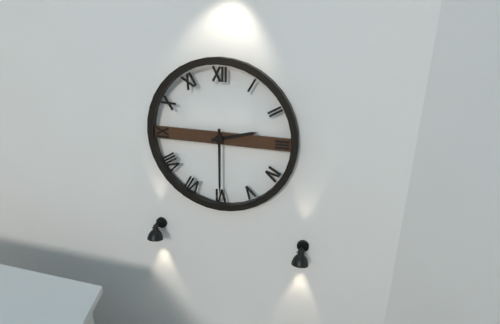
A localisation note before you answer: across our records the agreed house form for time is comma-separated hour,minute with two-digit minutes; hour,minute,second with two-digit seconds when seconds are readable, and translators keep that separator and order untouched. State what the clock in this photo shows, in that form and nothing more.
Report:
2,30
